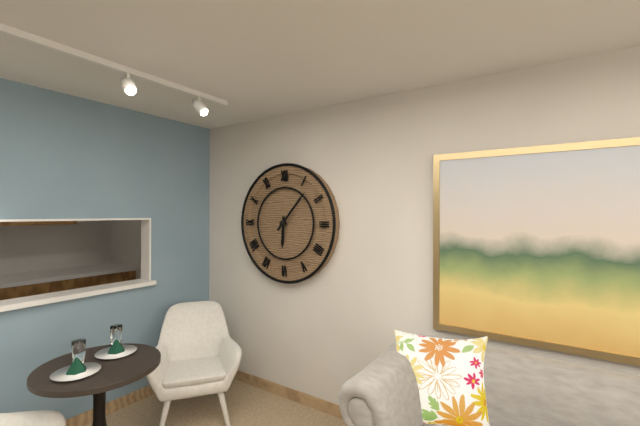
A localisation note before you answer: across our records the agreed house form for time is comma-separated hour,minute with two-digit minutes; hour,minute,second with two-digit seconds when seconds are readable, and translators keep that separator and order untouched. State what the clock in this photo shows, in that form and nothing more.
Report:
6,07
